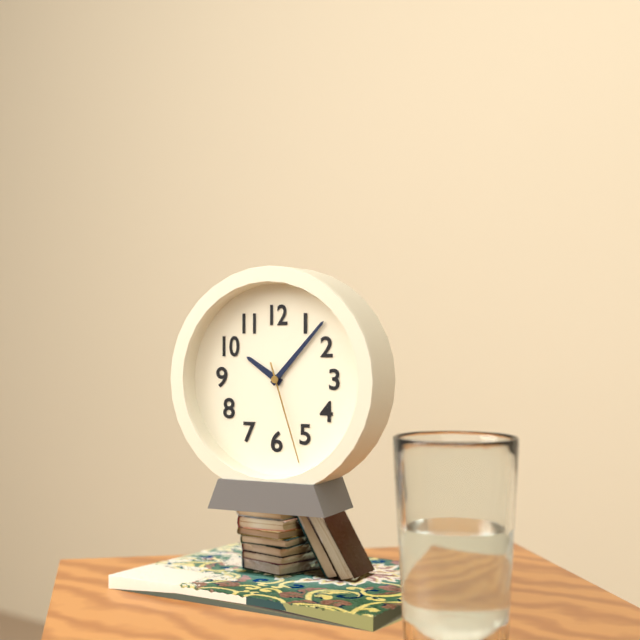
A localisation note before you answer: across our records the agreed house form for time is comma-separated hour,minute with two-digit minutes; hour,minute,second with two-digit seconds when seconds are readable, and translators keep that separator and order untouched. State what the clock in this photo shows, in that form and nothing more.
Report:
10,07,27
